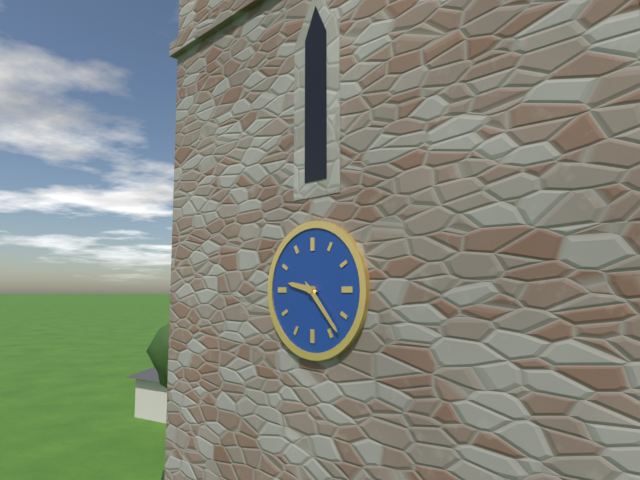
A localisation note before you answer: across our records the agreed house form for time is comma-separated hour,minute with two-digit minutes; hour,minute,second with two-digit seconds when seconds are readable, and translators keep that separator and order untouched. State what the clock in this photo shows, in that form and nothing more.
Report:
9,23
